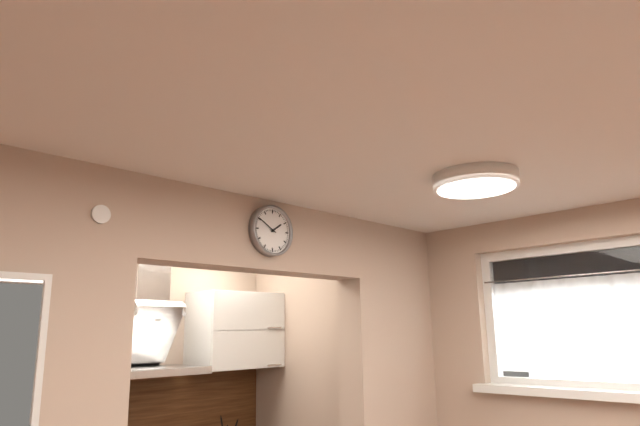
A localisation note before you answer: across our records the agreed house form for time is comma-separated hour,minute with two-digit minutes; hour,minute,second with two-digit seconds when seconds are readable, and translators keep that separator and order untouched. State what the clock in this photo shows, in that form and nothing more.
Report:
1,50
